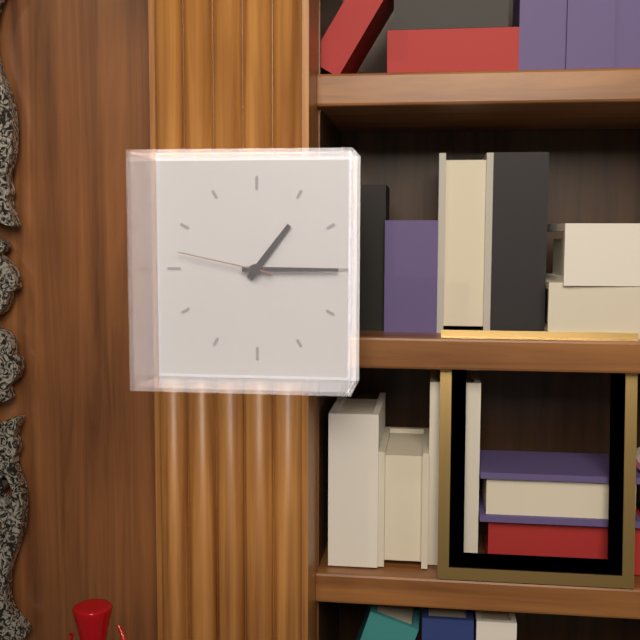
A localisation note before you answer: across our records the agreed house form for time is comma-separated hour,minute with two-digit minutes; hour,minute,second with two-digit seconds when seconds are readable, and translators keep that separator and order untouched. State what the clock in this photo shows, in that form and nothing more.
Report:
1,15,47
